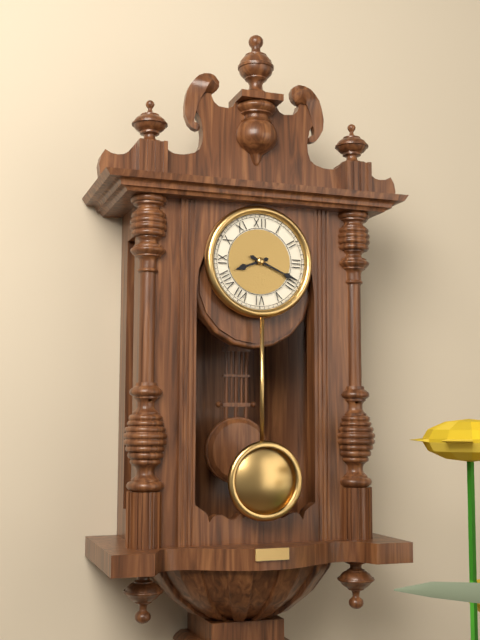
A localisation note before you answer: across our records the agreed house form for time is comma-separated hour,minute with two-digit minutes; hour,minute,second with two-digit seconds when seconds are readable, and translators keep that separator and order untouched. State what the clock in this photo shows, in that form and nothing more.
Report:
8,19
